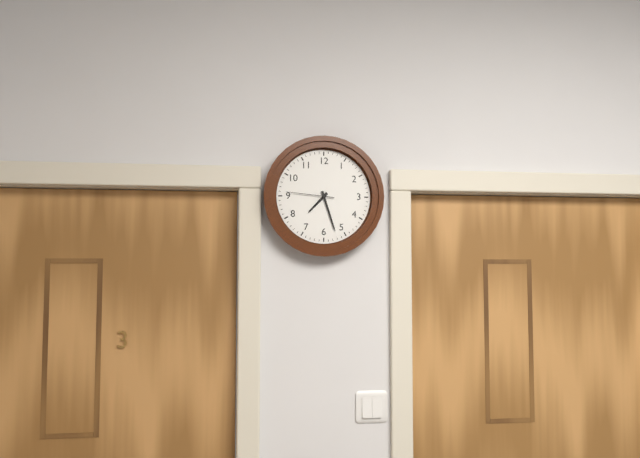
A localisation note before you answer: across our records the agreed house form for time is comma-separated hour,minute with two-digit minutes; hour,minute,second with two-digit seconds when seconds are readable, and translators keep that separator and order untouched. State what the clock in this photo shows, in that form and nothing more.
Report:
7,27
